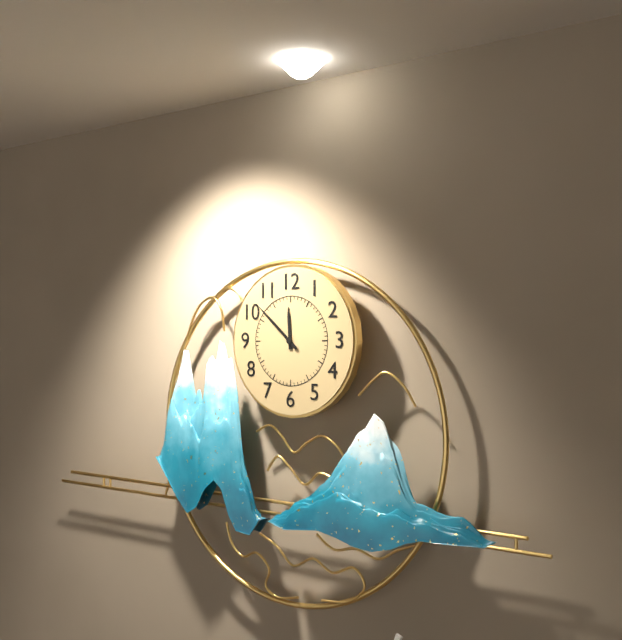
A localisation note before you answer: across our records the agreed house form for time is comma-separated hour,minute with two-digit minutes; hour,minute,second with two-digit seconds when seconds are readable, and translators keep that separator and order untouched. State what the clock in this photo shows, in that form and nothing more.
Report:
11,52
